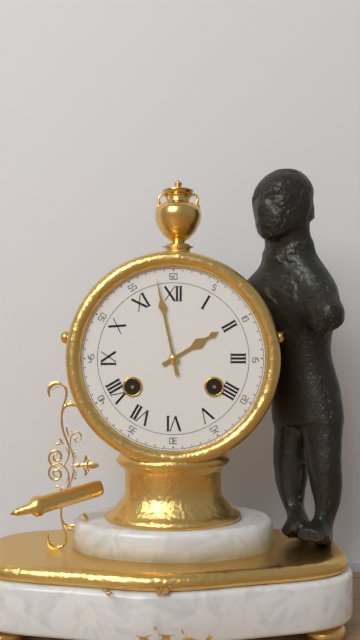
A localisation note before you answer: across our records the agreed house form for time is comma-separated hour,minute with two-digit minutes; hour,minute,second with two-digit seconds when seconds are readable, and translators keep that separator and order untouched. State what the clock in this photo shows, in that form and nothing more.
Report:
1,58
